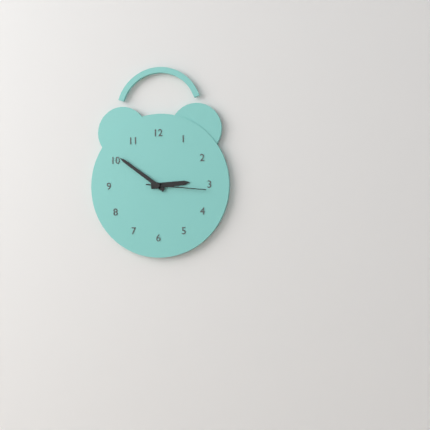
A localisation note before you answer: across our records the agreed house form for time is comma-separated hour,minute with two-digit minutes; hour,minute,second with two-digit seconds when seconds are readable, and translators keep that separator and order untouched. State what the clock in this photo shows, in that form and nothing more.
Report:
2,51,16
